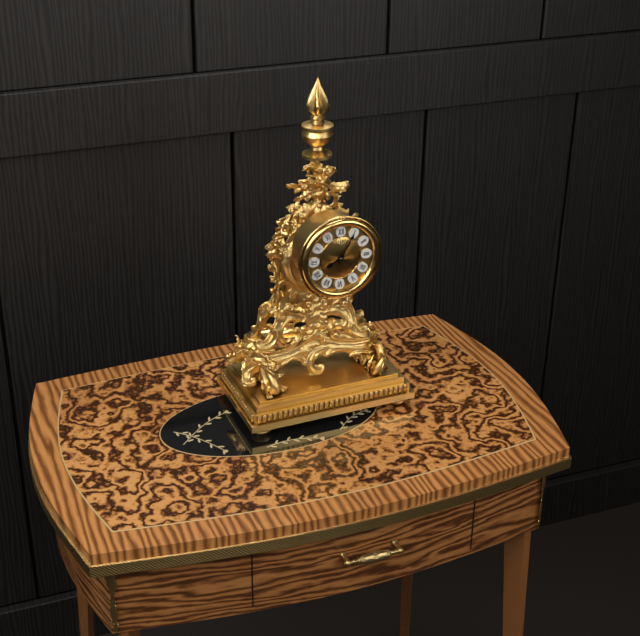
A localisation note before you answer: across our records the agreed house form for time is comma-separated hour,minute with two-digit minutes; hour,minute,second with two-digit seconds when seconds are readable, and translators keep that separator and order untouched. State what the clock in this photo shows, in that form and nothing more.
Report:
8,05
